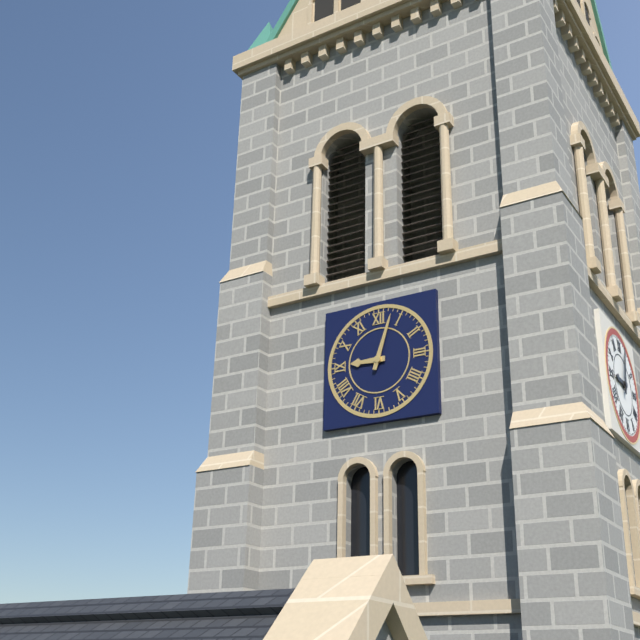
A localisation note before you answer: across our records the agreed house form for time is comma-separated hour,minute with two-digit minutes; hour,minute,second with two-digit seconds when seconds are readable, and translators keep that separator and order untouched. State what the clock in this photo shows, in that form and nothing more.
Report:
9,03
